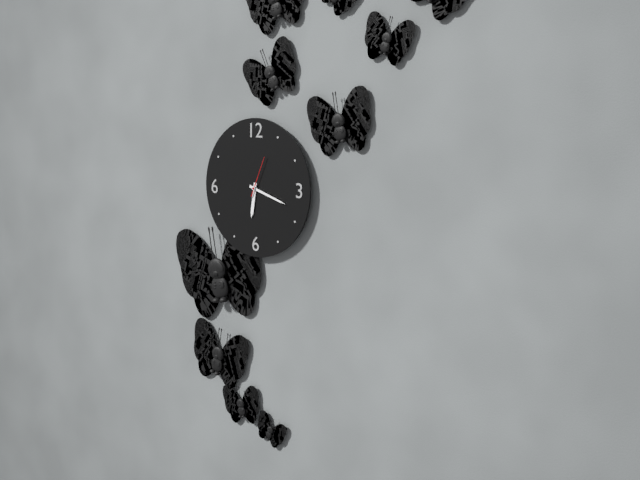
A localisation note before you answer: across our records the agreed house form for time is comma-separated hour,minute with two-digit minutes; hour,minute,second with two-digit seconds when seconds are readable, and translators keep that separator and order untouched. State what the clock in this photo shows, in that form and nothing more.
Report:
6,18
